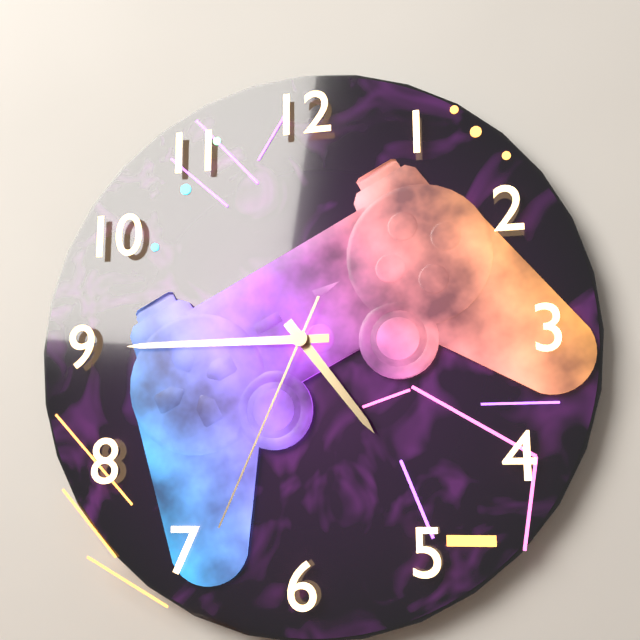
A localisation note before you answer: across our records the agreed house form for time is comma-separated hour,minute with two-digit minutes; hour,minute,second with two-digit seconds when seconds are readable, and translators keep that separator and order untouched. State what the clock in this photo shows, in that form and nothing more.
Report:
4,45,34
